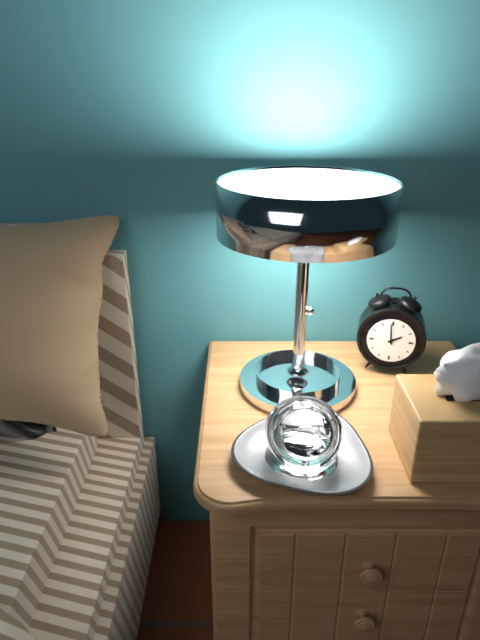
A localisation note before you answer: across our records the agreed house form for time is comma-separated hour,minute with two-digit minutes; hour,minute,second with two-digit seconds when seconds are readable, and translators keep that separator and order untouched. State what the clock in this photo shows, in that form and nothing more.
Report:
1,59
